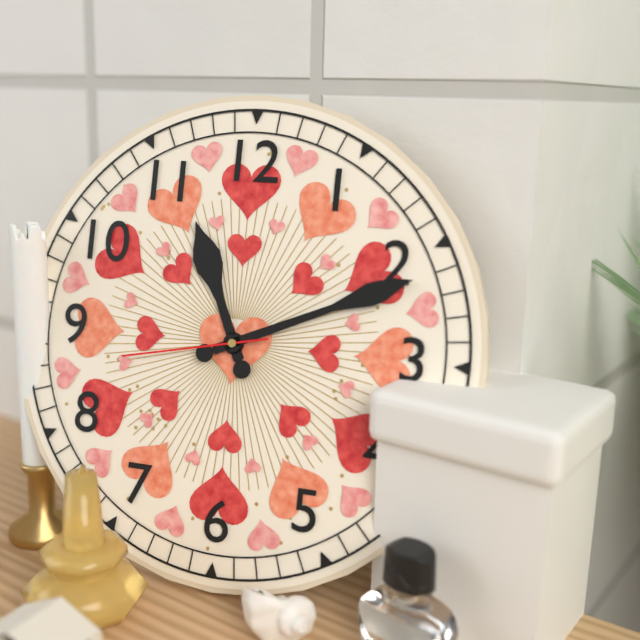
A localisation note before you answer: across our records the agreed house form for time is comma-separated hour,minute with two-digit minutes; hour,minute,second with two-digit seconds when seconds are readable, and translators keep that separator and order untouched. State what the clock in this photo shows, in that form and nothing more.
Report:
11,11,43
